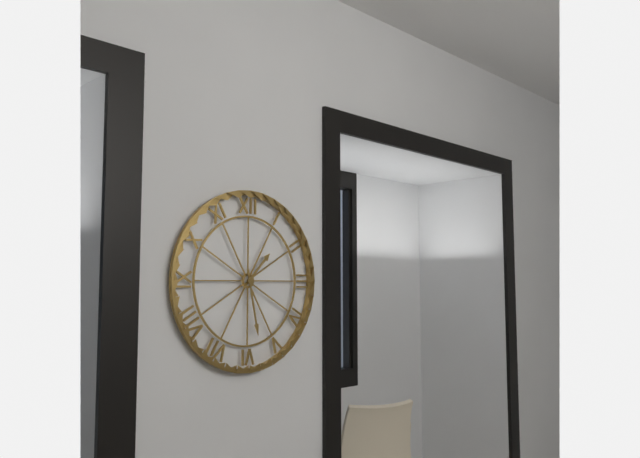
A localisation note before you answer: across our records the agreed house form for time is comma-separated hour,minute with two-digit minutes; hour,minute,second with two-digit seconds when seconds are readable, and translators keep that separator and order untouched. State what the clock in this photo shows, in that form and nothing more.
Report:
1,28
